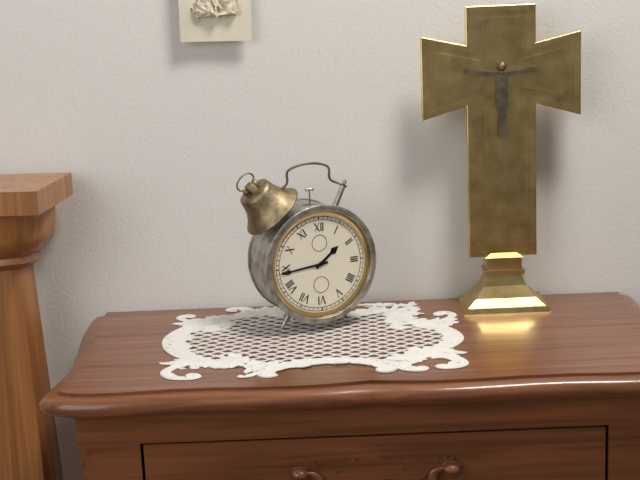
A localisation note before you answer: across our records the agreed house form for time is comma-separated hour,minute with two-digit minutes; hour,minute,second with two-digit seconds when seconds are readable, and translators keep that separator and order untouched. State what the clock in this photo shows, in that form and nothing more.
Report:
1,44
